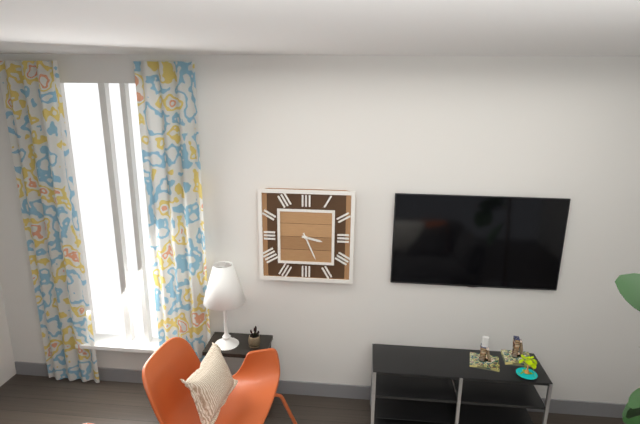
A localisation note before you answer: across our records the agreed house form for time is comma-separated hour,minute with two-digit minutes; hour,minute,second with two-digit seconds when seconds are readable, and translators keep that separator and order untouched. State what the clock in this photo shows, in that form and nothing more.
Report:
3,26
